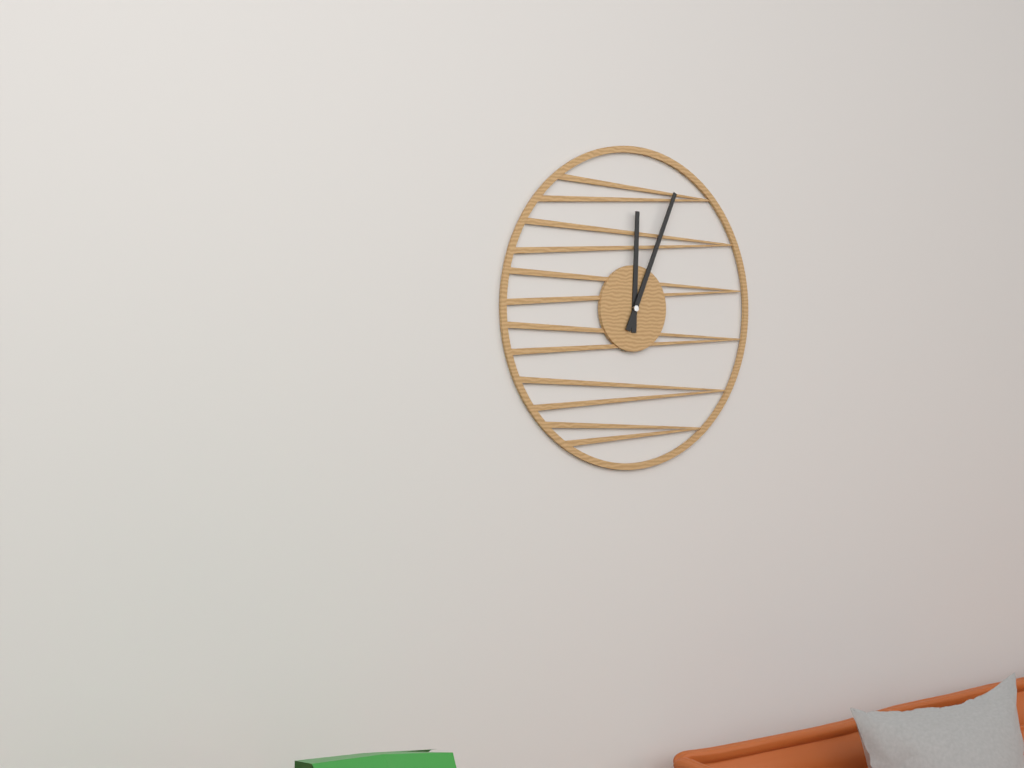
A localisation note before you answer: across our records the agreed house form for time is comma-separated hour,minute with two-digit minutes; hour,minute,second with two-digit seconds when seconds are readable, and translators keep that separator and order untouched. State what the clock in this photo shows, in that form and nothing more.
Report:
12,04
